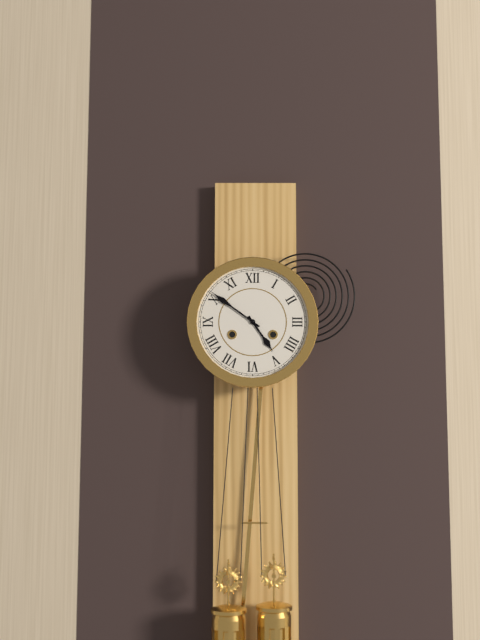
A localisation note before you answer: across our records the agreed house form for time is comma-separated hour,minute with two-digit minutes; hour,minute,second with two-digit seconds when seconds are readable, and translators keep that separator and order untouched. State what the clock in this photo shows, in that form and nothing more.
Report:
4,51
